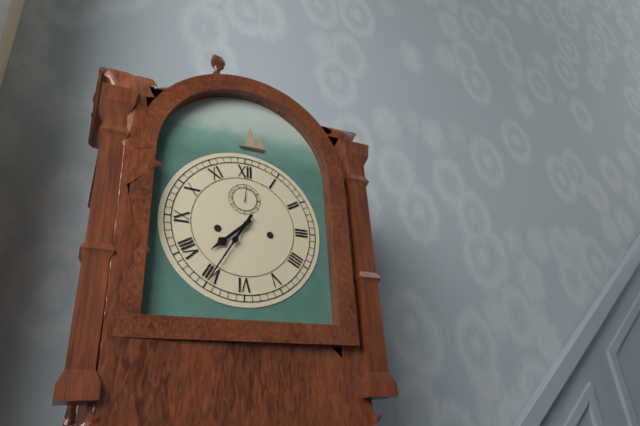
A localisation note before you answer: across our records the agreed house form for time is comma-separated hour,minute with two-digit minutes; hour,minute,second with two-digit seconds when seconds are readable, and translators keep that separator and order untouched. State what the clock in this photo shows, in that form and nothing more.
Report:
7,35
